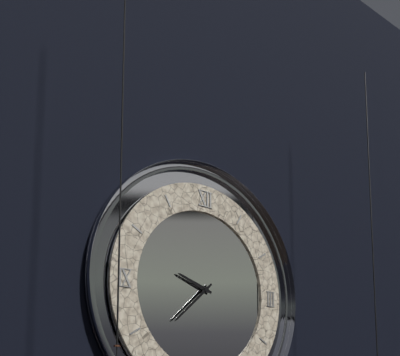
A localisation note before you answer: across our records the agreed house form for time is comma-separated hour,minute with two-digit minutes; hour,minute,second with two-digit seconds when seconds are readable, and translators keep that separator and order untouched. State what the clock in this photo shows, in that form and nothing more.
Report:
9,38
